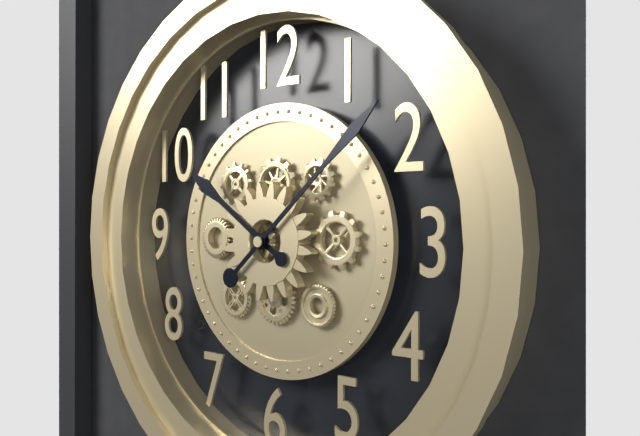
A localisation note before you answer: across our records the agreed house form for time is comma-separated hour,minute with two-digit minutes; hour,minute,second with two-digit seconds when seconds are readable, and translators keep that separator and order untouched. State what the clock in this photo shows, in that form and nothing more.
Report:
10,08
